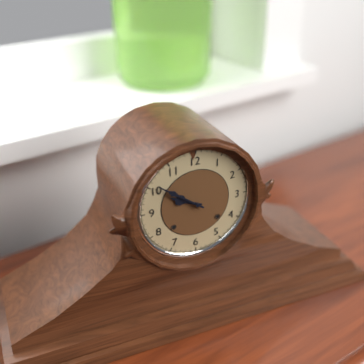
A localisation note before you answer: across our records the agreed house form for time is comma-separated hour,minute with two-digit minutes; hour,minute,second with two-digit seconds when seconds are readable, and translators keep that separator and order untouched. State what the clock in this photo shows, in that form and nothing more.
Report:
9,51
